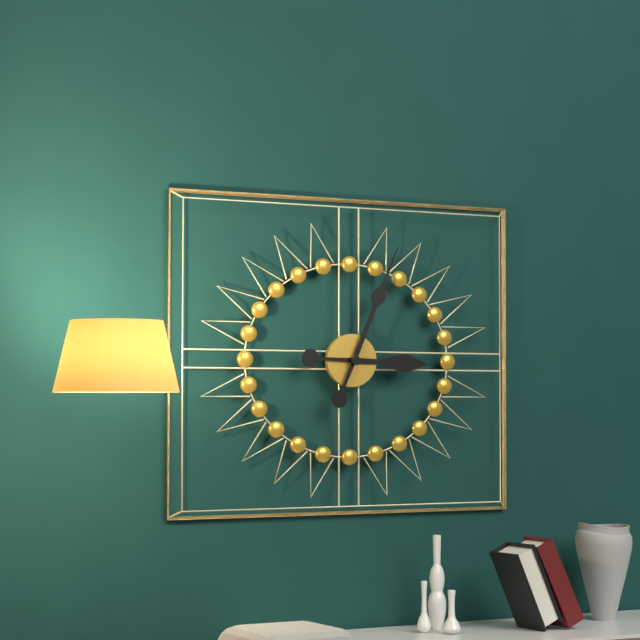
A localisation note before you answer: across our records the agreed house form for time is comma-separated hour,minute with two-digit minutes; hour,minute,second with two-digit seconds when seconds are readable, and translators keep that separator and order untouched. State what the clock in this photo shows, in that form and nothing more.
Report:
3,04
